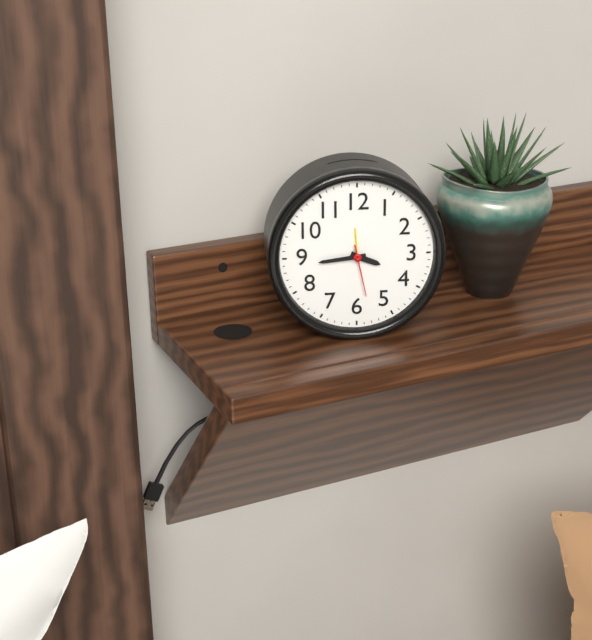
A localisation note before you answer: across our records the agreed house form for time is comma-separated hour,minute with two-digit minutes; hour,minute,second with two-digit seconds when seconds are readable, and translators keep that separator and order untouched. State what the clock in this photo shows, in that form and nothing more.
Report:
3,44
